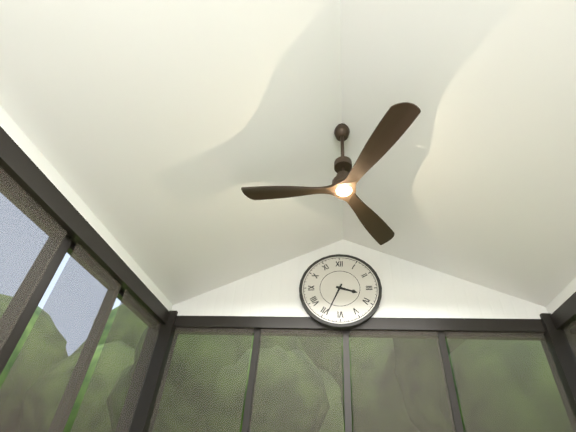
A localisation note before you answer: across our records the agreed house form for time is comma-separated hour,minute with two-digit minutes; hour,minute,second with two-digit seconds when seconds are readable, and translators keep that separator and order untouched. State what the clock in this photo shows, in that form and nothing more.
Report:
3,34
